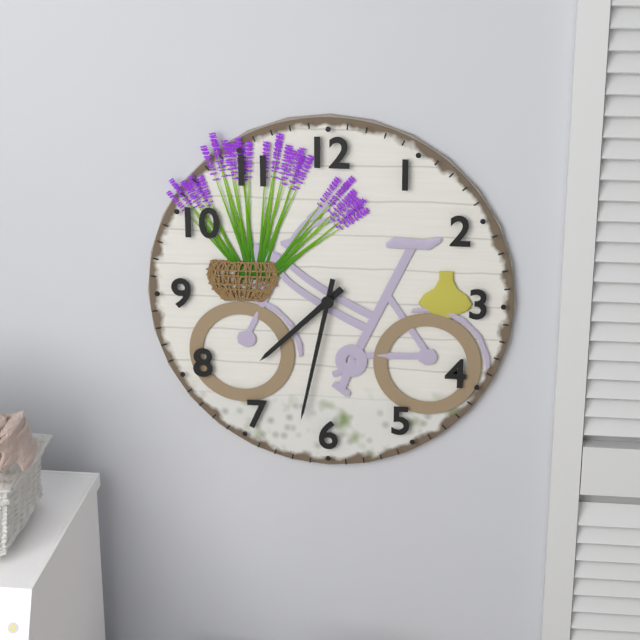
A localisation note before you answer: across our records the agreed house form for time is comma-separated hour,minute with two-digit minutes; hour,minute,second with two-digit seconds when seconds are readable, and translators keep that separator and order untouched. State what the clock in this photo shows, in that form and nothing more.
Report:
7,32
